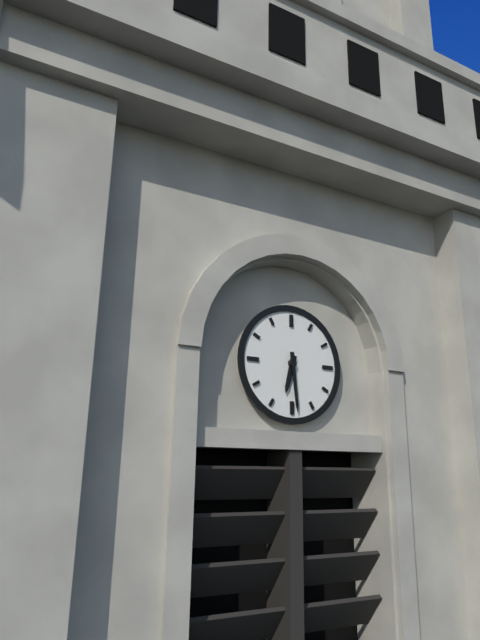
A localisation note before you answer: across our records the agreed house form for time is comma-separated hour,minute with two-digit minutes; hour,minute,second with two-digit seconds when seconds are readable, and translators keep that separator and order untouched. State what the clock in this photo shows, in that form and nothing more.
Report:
6,29
